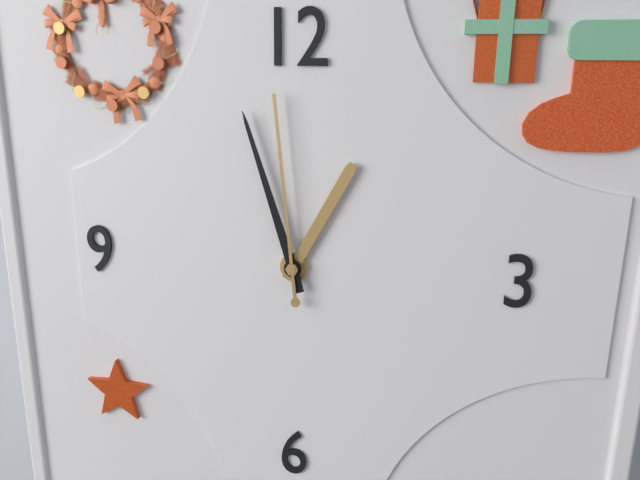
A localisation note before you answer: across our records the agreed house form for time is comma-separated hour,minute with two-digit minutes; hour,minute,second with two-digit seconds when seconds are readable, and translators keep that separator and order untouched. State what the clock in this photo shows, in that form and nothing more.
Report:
12,57,59
